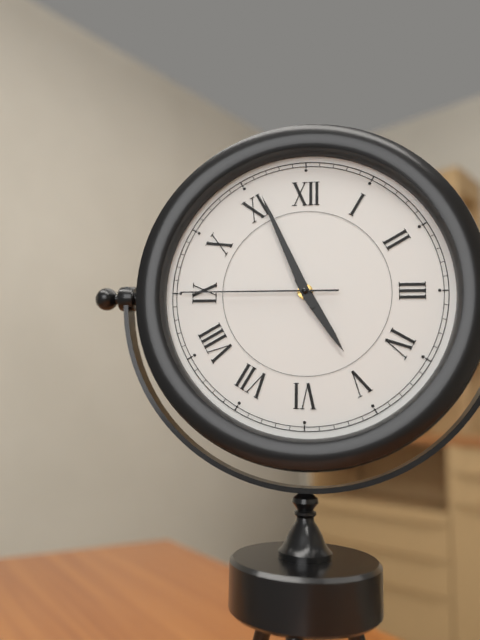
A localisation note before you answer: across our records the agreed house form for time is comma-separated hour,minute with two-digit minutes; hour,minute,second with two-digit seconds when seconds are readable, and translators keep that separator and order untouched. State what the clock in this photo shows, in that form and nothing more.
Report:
4,56,45
